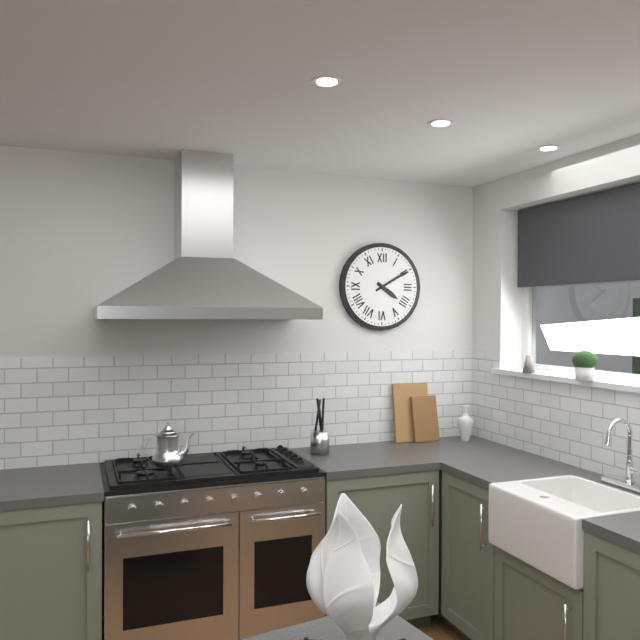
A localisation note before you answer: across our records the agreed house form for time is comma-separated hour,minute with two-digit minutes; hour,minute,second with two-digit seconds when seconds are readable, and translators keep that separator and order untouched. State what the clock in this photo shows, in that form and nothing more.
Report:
4,10
